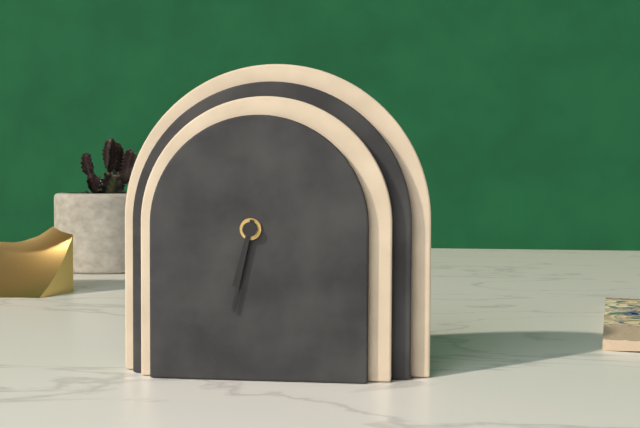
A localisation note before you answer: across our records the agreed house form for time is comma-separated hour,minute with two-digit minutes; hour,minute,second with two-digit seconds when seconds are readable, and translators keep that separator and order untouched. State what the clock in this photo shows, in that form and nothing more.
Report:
6,32
